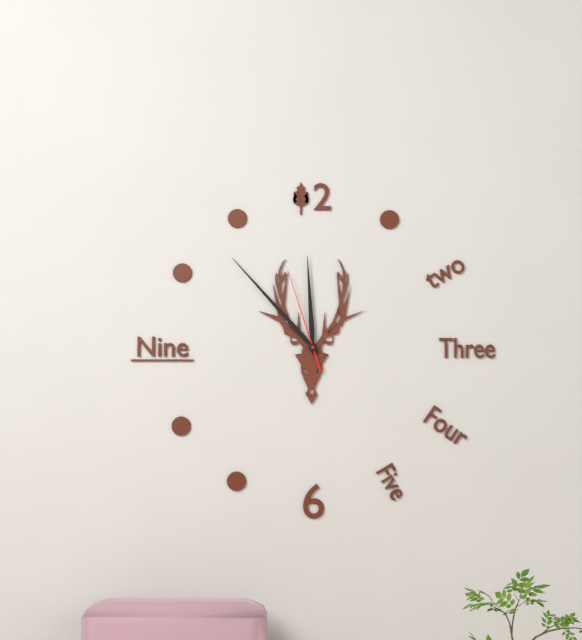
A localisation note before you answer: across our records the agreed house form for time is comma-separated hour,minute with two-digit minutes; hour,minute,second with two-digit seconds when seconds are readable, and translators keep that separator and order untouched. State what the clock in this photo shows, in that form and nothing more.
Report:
11,53,57
